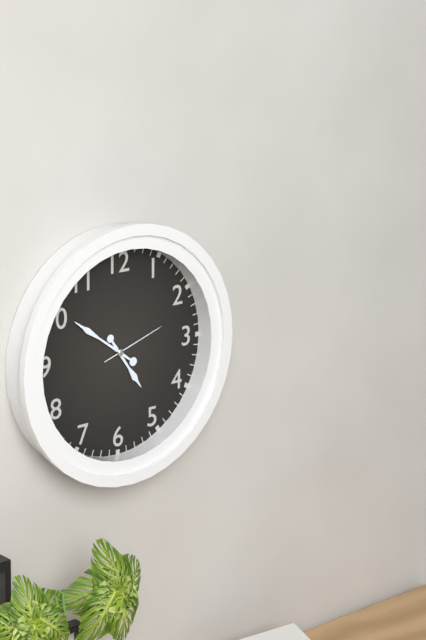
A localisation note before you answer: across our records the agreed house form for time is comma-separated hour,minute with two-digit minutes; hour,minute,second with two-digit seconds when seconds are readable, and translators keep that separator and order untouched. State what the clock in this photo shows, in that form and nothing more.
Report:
4,51,12
